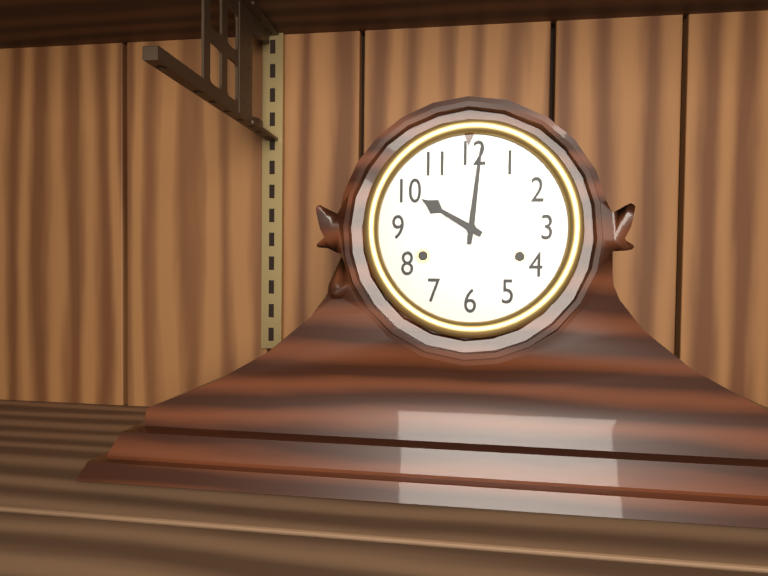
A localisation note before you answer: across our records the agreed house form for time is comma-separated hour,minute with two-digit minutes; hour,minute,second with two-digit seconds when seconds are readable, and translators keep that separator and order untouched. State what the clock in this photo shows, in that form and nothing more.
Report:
10,01
